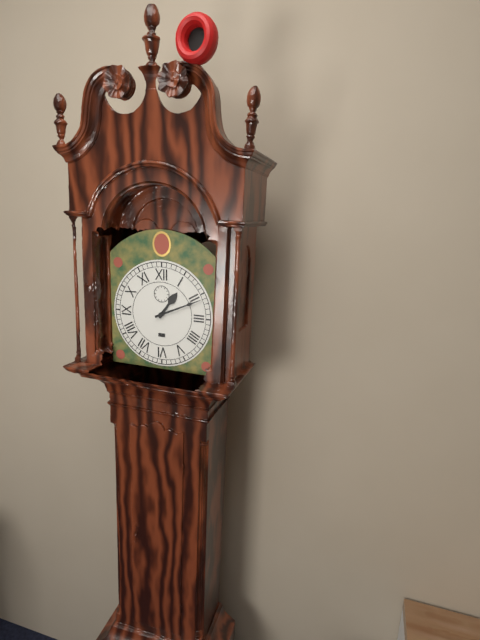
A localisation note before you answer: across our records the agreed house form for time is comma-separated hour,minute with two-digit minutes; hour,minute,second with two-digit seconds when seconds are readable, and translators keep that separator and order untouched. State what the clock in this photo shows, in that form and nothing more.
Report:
1,11
